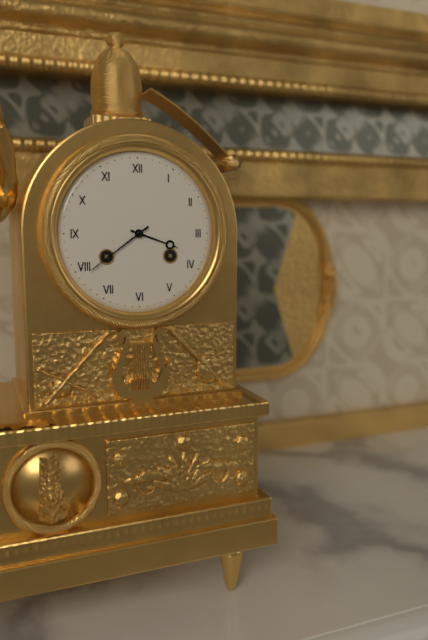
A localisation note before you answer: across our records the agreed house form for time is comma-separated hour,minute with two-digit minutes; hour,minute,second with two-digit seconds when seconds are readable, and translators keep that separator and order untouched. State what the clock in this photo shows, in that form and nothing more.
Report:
3,39
